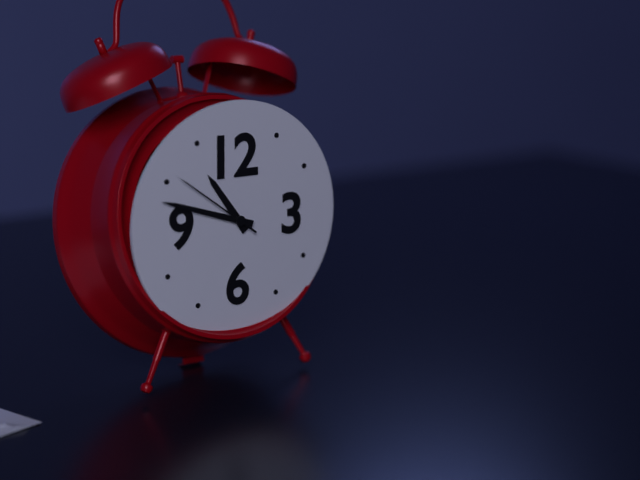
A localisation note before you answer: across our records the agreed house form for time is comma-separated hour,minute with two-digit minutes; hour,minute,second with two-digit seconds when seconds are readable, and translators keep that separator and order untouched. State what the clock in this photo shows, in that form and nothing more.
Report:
10,48,51
